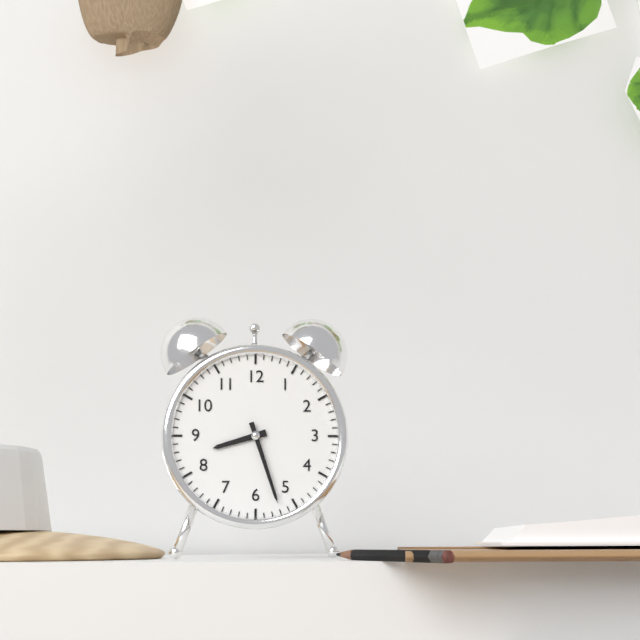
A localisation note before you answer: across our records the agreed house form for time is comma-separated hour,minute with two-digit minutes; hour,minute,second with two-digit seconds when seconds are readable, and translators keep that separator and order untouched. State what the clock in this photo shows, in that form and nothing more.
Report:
8,27
